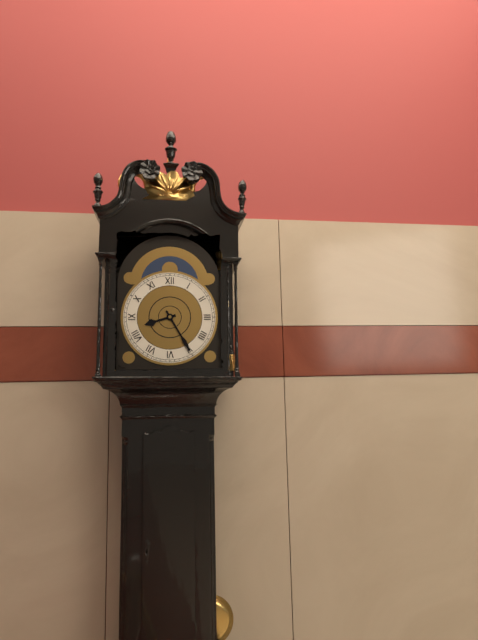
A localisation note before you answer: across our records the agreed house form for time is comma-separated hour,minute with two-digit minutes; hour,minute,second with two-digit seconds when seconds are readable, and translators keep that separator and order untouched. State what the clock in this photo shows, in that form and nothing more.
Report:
8,25
